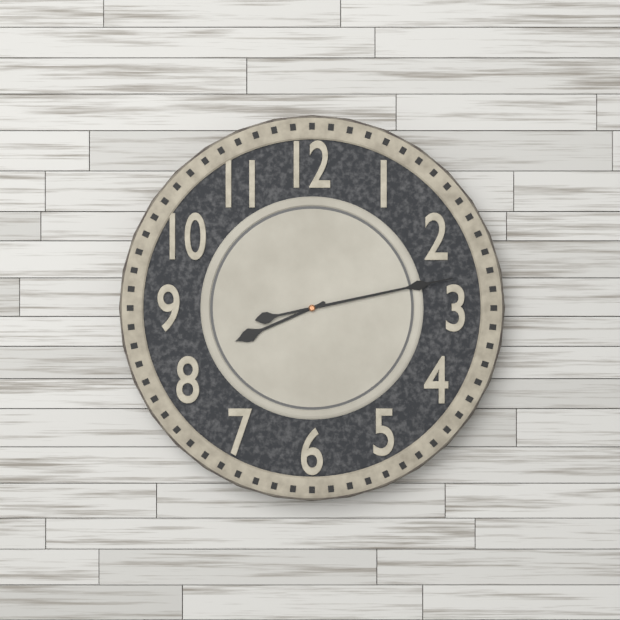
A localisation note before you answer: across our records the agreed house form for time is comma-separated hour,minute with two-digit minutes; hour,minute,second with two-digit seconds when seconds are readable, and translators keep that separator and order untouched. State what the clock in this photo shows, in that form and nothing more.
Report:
8,13
